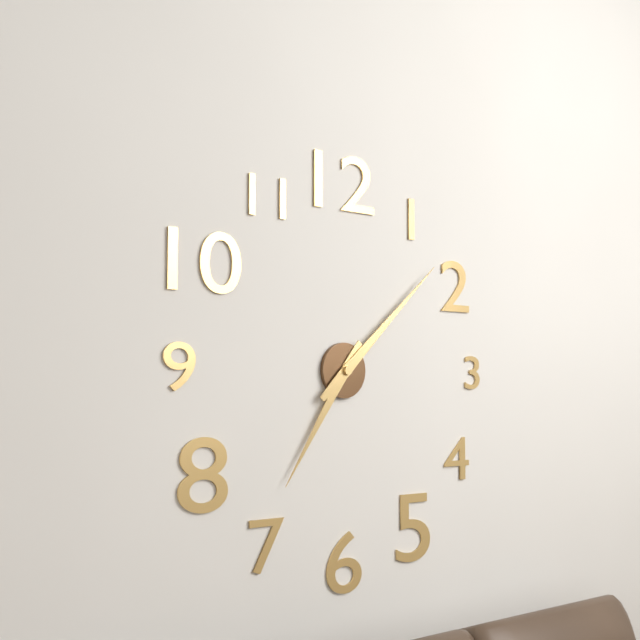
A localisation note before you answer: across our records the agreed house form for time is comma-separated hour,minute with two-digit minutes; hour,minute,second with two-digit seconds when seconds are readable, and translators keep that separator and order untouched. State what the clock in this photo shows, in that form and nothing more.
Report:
7,08
